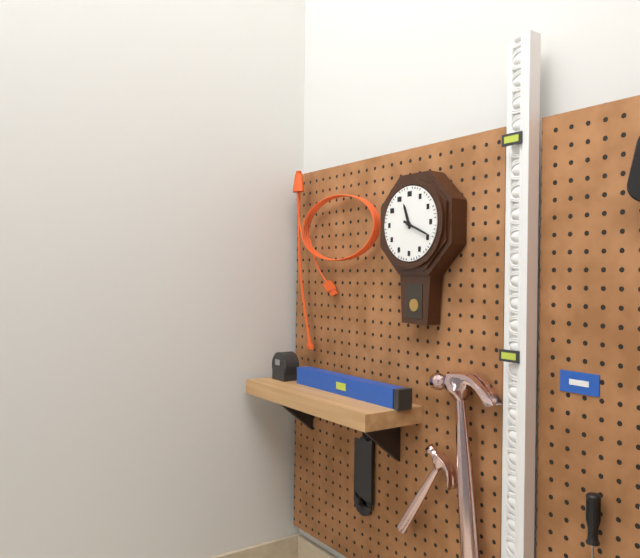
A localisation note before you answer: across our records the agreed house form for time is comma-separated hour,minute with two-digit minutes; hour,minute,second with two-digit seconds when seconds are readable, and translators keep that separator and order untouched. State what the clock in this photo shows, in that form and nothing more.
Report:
11,19
